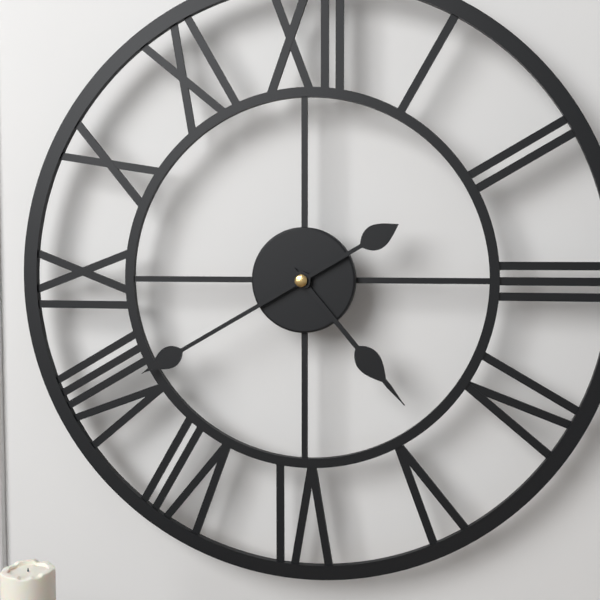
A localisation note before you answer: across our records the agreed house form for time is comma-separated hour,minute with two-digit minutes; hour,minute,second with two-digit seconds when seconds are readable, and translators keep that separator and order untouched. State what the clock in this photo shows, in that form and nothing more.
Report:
4,40
